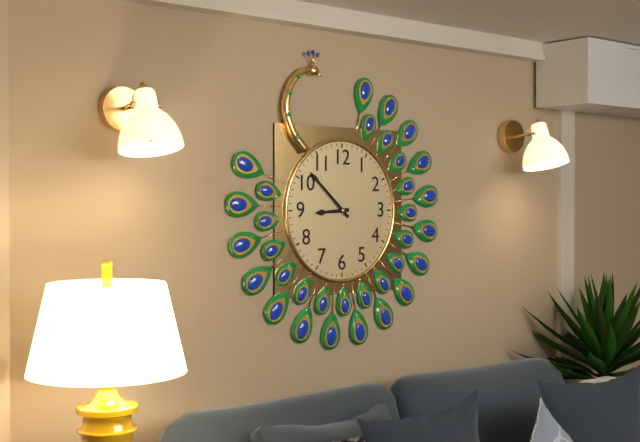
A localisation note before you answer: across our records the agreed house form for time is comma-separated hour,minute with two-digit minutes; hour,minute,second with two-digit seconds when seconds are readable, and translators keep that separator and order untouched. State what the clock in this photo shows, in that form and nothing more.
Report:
8,52
